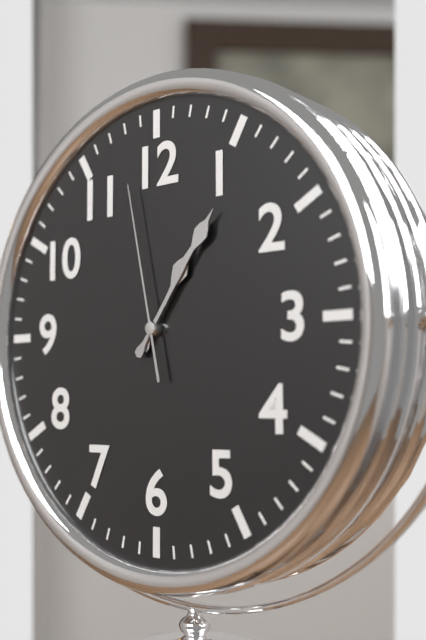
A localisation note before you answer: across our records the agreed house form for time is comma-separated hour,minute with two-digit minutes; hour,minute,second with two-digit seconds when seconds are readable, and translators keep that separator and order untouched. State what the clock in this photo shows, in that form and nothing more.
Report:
1,06,58
